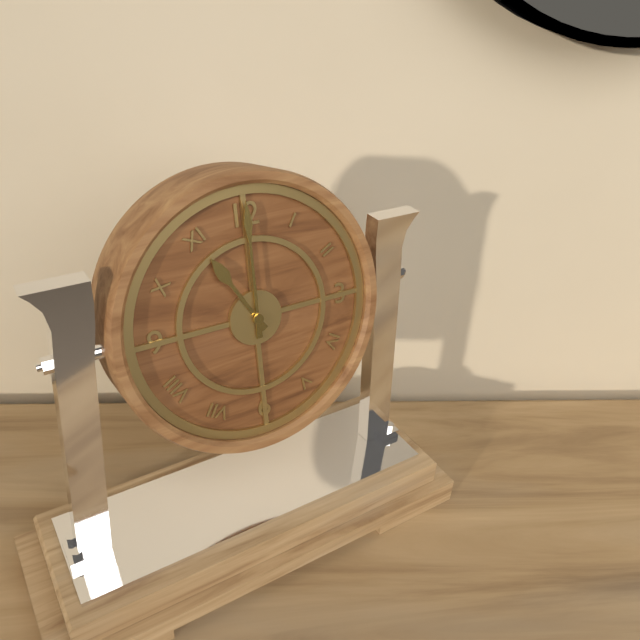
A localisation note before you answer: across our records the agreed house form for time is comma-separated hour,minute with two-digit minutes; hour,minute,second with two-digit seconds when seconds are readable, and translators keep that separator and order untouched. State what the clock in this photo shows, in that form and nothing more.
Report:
11,00
